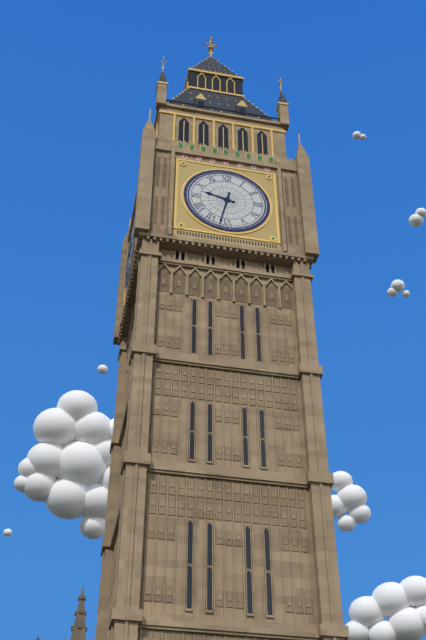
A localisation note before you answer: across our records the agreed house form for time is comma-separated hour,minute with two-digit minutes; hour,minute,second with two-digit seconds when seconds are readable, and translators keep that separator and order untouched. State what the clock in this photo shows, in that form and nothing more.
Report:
9,32
